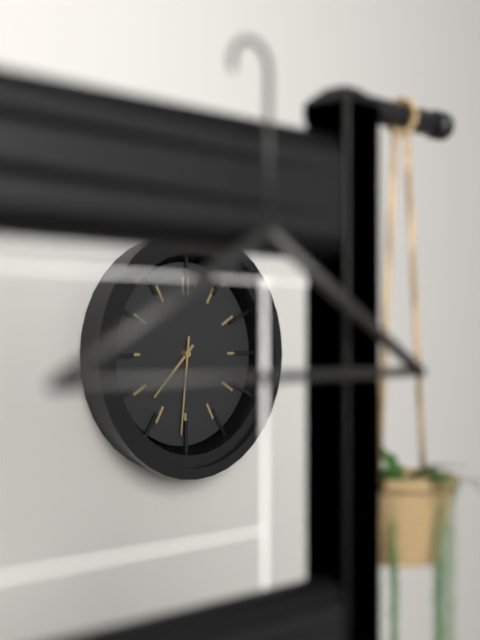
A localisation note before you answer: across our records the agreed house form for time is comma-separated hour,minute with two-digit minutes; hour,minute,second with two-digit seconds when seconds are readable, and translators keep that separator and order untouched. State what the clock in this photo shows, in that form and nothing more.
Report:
7,31
